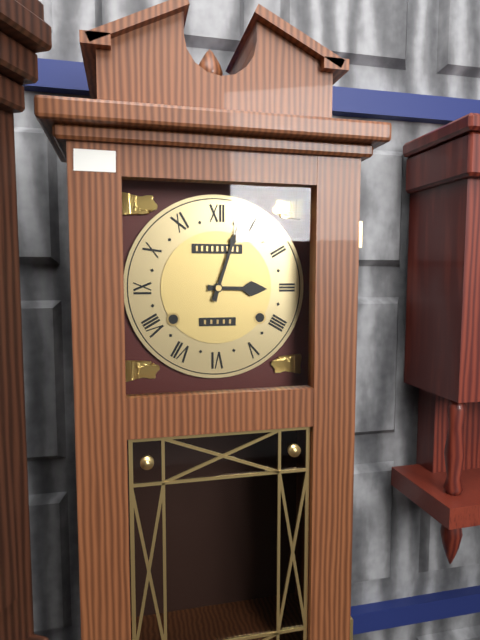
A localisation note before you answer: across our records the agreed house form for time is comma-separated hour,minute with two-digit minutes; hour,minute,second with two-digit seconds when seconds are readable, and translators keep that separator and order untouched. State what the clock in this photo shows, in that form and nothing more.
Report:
3,03
